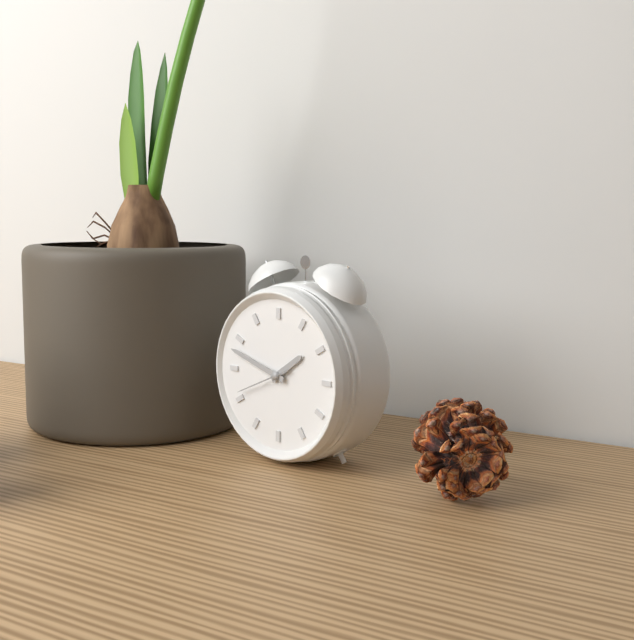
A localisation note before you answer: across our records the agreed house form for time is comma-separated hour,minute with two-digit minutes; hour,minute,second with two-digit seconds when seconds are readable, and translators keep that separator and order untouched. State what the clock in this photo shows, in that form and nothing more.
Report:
1,48,41
